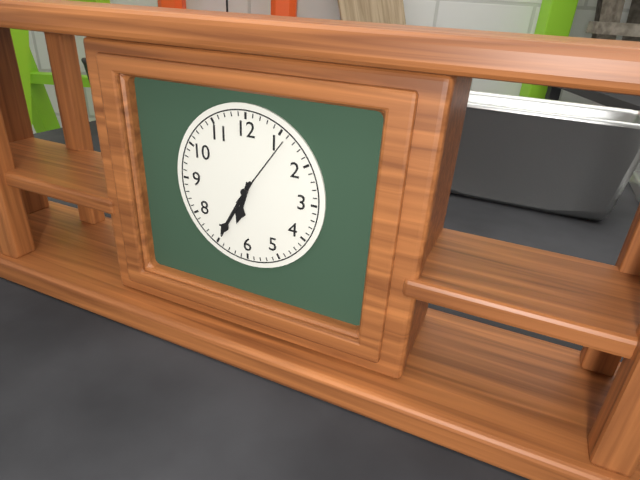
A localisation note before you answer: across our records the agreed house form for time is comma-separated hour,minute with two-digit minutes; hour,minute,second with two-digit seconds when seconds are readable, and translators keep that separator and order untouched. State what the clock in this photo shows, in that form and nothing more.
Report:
6,35,06
